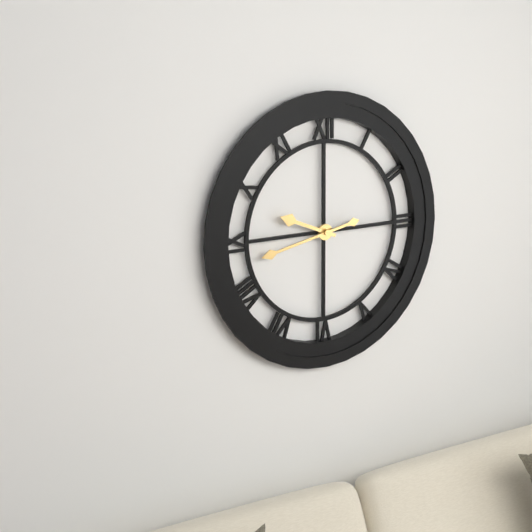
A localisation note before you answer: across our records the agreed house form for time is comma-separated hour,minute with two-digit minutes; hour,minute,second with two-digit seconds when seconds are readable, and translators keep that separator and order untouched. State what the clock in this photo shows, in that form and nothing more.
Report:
9,43
